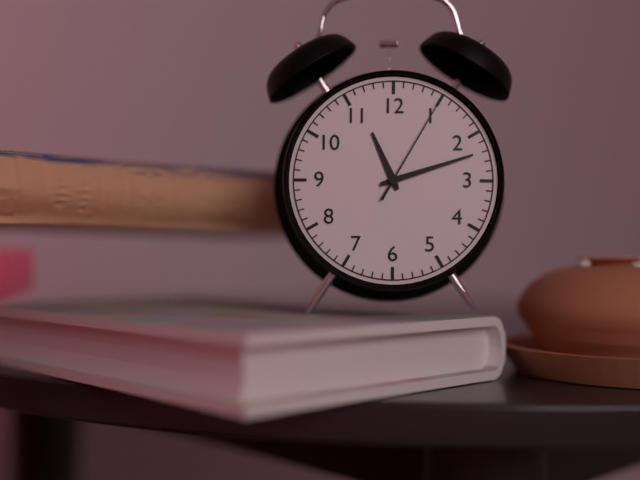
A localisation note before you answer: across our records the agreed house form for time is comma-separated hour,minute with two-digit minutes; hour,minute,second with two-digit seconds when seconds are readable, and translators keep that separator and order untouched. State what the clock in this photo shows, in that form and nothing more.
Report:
11,12,05
